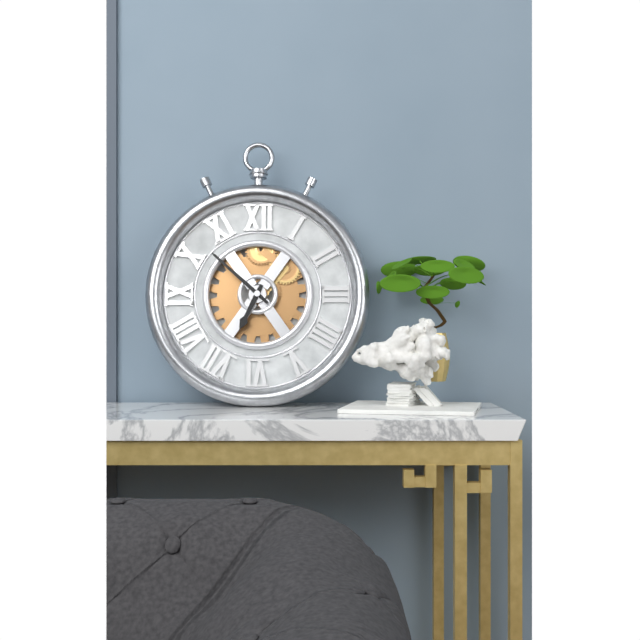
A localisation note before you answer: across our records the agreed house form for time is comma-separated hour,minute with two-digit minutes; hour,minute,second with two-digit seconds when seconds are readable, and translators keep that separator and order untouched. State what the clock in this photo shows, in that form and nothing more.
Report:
6,52
